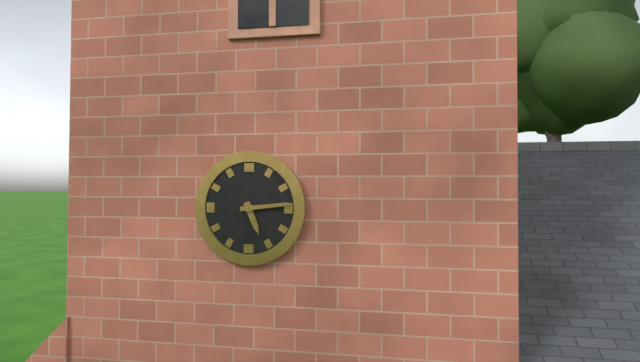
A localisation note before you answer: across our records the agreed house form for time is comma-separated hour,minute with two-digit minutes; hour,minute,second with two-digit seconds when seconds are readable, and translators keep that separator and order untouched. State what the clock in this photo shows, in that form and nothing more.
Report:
5,14
